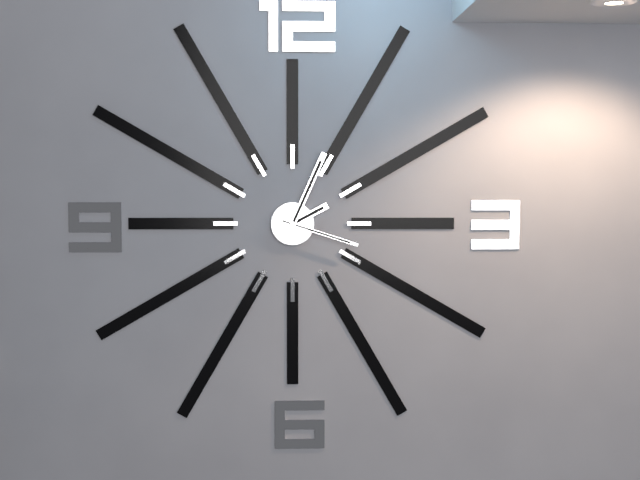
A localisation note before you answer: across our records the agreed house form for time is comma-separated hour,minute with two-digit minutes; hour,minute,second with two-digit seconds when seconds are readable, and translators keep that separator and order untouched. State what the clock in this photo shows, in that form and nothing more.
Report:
2,04,18
